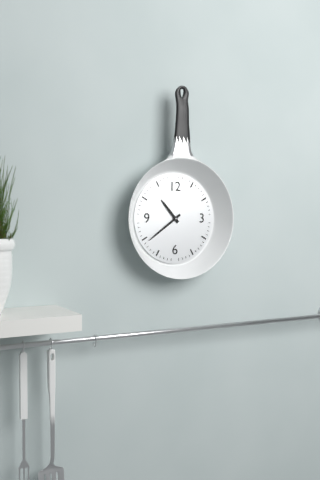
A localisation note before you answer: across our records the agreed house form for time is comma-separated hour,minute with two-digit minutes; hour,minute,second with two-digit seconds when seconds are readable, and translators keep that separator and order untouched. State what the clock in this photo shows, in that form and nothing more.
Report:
10,39
